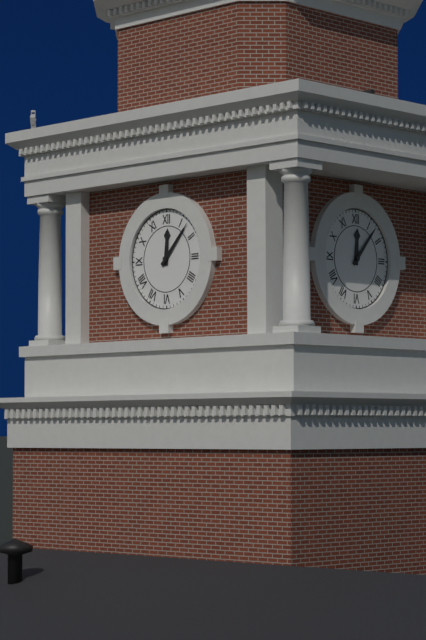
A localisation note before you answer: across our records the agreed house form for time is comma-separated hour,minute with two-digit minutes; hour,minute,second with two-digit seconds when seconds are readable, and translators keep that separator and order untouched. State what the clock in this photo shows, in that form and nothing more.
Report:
12,07
